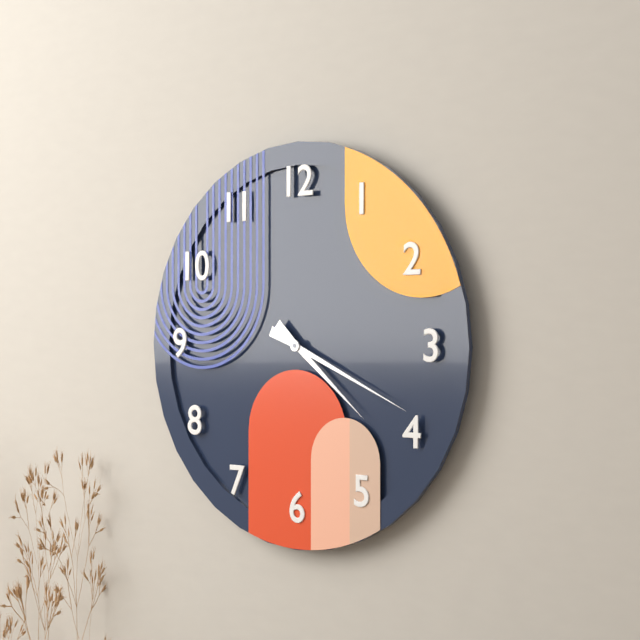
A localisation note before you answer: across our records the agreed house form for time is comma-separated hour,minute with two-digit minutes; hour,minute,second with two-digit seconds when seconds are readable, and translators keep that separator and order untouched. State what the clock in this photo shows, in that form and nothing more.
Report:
4,19
